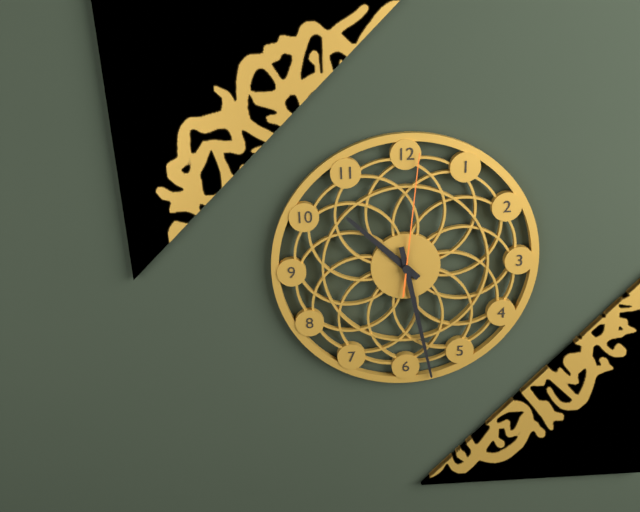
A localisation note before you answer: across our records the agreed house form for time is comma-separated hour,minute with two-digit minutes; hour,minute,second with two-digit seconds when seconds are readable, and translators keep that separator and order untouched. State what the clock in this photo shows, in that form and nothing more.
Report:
10,28,01
